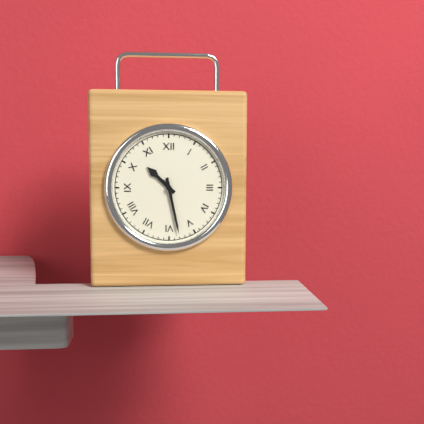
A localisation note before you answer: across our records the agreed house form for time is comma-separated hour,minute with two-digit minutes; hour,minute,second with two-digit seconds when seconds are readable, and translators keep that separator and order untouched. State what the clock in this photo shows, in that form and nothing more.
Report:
10,28
